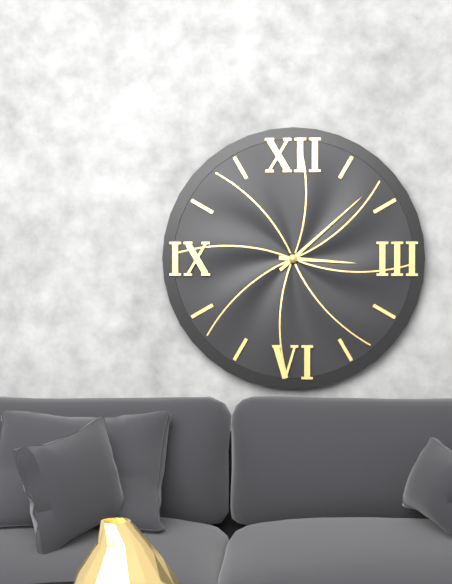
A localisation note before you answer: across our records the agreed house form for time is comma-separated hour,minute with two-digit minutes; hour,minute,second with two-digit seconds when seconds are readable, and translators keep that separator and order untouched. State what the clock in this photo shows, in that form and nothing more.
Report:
3,08
